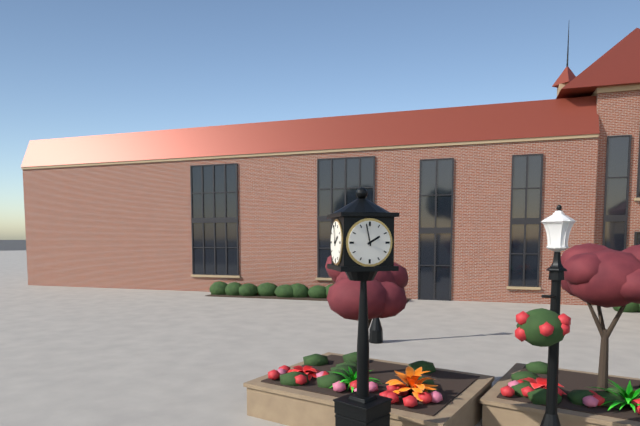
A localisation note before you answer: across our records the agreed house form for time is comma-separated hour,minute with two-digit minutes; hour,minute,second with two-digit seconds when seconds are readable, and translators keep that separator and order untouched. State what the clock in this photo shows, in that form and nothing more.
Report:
1,58
